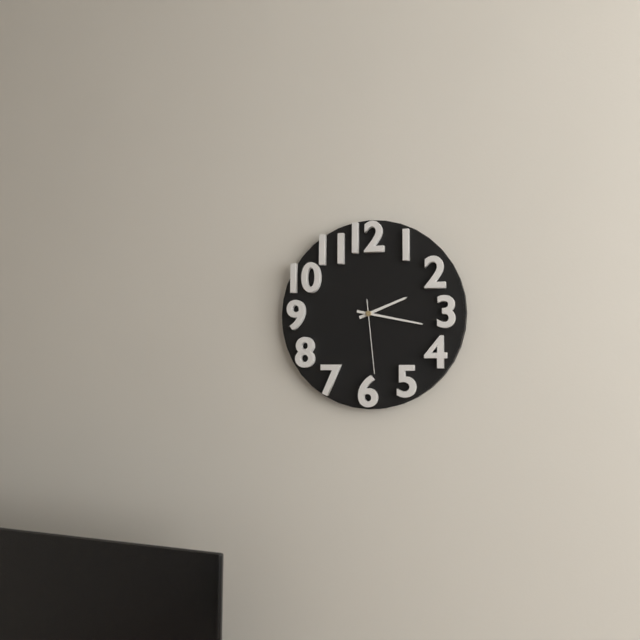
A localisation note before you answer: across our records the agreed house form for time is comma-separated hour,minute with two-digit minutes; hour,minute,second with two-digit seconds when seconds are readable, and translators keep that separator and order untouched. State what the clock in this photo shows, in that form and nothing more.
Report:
2,17,29
